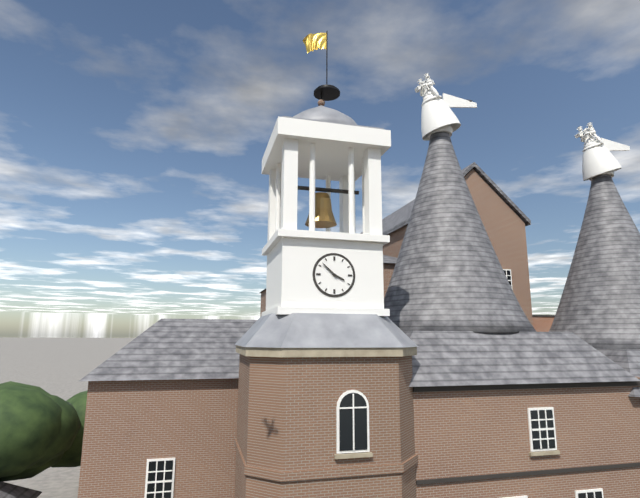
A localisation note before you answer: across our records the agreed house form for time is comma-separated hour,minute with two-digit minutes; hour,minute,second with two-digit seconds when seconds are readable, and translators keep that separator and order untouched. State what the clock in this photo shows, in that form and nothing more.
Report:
3,52
